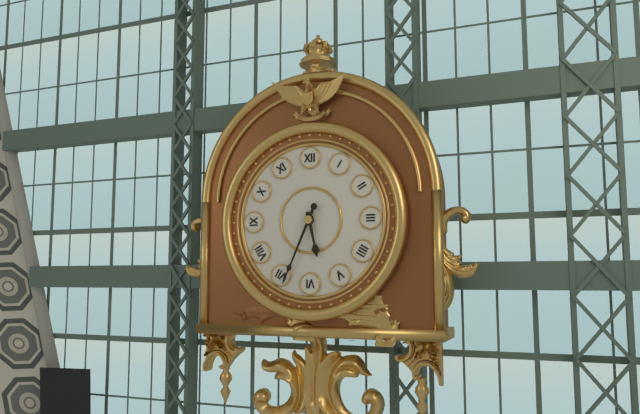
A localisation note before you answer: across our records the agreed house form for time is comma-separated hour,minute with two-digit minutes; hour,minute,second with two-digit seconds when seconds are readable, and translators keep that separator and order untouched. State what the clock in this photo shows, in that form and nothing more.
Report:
5,34
